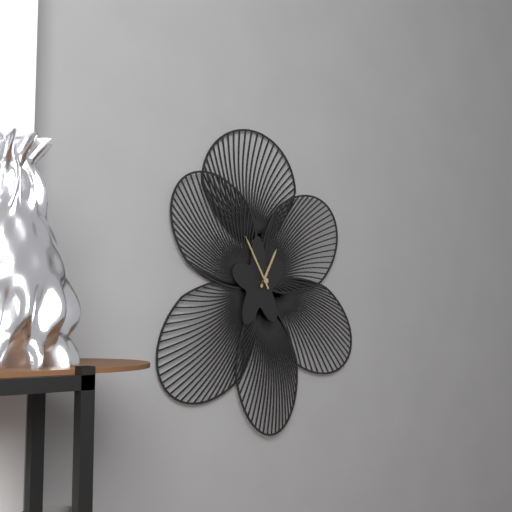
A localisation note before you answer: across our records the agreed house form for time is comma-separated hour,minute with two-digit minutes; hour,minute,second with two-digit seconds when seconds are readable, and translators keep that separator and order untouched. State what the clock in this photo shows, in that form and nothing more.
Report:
12,55
